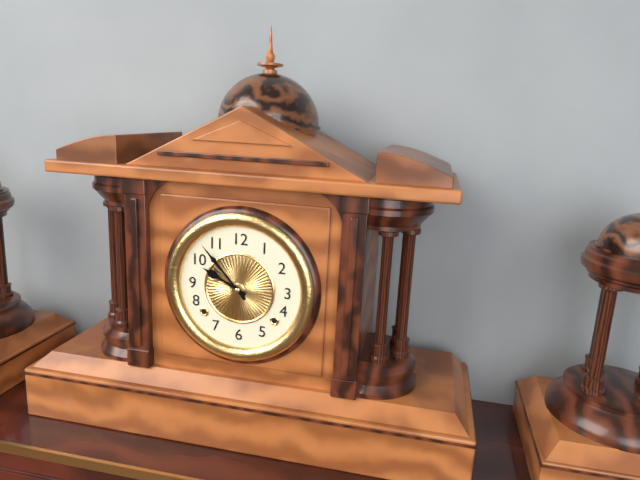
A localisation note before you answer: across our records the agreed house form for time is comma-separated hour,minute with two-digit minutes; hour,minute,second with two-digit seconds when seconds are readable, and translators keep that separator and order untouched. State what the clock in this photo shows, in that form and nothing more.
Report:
9,53
